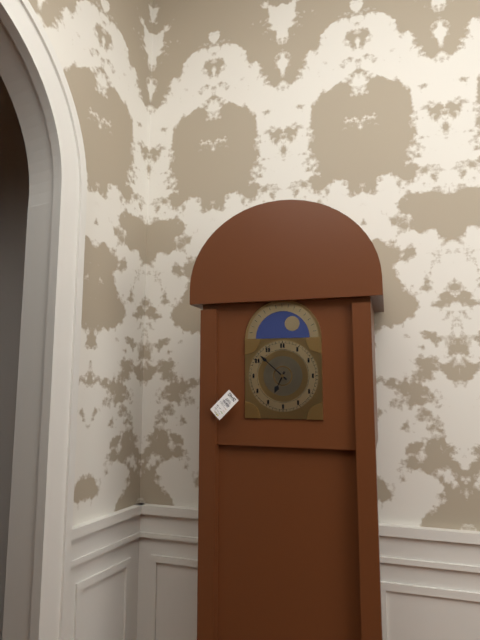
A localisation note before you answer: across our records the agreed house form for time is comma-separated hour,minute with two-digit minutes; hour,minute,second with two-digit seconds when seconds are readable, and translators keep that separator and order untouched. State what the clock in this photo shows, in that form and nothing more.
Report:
6,52
